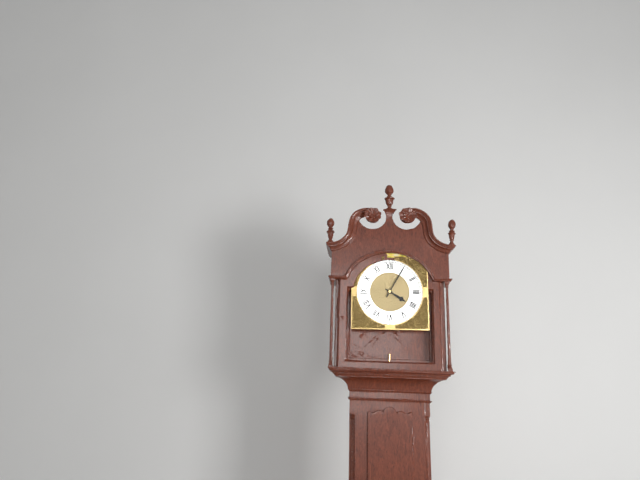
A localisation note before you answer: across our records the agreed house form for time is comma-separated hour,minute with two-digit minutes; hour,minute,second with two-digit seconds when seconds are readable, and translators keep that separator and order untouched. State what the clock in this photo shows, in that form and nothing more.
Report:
4,05
